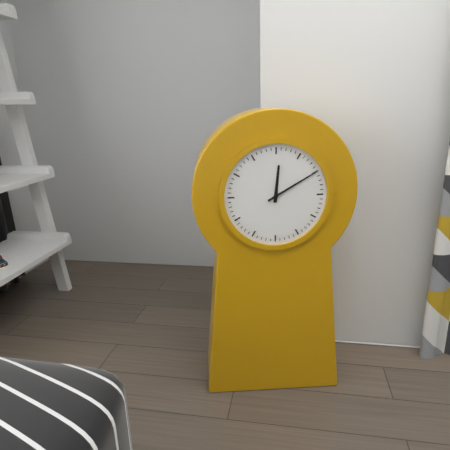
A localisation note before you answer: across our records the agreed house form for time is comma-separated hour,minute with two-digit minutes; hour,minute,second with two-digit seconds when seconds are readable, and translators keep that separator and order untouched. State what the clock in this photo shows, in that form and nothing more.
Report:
12,10
